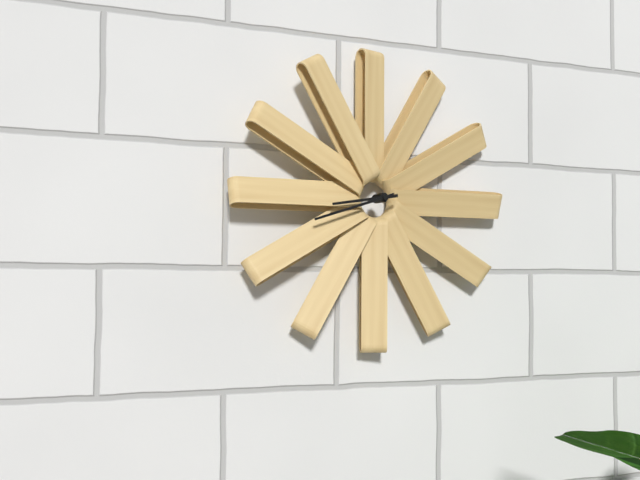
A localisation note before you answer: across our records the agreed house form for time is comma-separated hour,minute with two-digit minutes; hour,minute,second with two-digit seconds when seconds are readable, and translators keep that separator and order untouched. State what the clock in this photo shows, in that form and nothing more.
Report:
8,42
